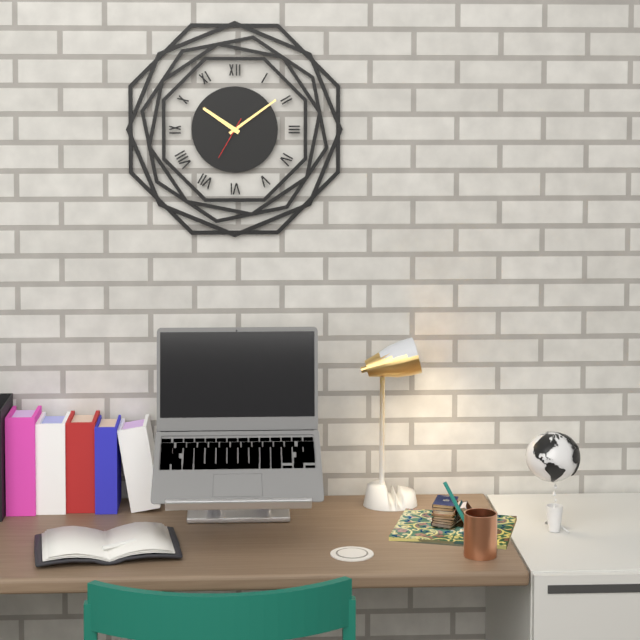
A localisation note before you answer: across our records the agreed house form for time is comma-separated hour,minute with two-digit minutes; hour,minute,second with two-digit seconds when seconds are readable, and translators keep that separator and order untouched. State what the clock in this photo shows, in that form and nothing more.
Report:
10,09
